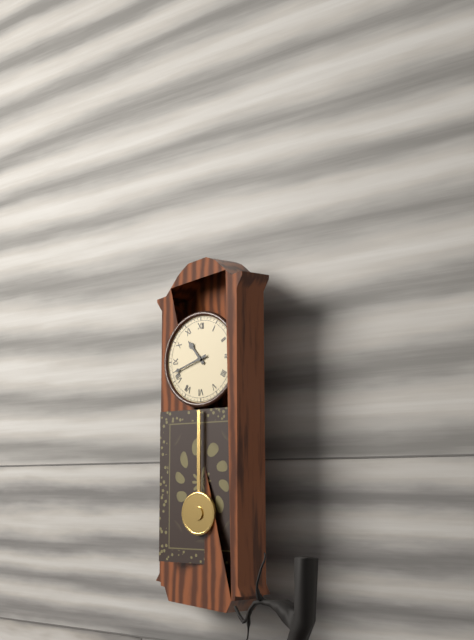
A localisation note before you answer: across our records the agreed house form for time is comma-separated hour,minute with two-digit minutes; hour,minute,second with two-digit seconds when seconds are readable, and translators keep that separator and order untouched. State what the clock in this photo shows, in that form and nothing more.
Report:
10,42
